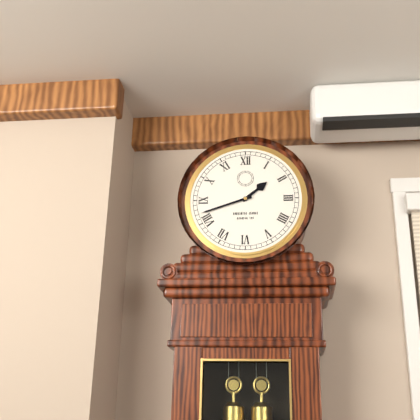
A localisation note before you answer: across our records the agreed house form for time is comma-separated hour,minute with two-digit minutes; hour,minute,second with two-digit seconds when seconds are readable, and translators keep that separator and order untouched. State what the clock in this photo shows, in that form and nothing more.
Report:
1,42
